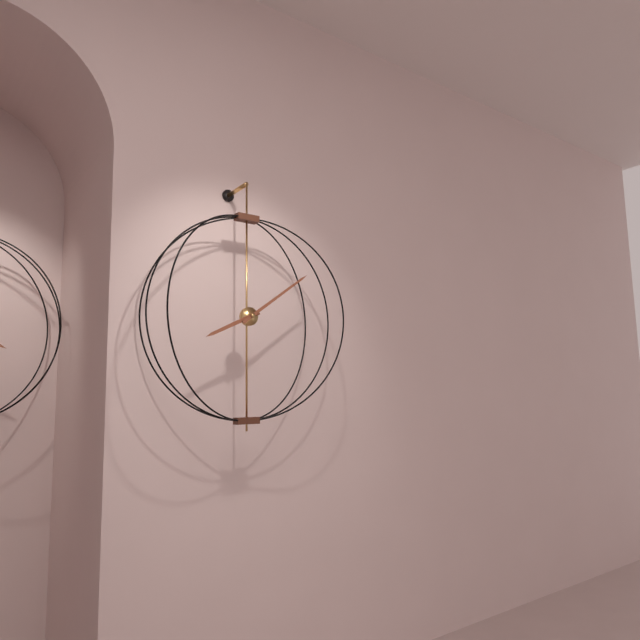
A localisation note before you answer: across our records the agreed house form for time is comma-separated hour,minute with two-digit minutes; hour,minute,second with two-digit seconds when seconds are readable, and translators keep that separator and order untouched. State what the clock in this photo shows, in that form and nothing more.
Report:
8,09
